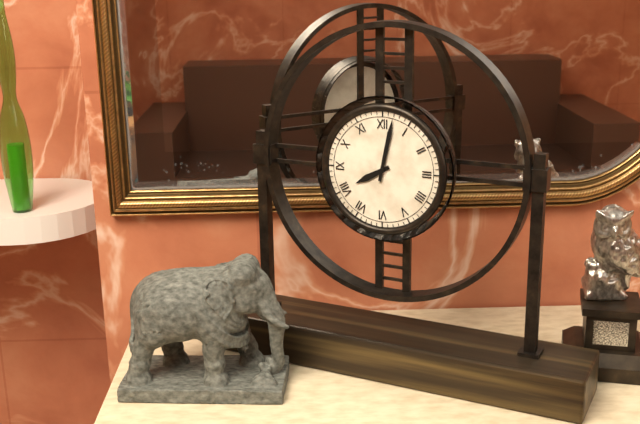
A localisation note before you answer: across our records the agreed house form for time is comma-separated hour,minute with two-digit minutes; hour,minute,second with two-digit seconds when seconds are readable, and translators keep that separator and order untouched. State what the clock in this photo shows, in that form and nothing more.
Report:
8,02
